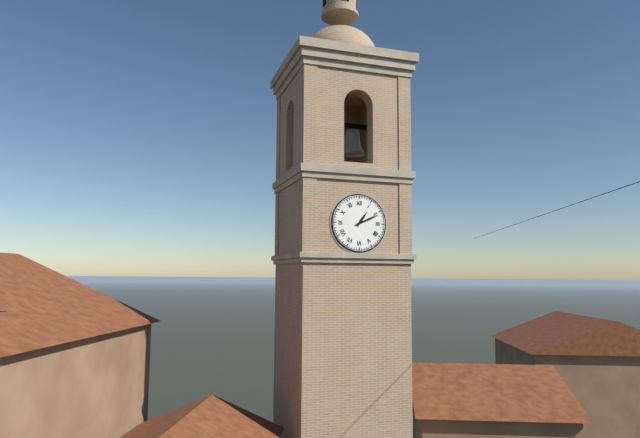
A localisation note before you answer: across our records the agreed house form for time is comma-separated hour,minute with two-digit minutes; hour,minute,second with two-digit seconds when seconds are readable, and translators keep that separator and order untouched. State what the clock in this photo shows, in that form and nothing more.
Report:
1,11
